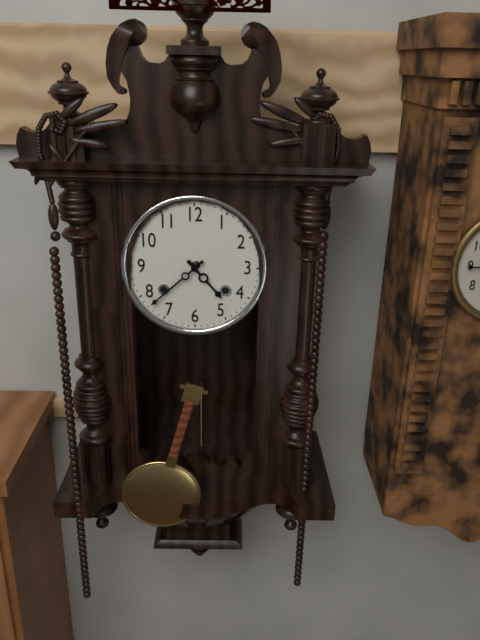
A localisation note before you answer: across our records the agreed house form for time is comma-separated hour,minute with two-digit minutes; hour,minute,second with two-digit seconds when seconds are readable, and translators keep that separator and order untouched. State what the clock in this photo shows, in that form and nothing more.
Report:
4,38
